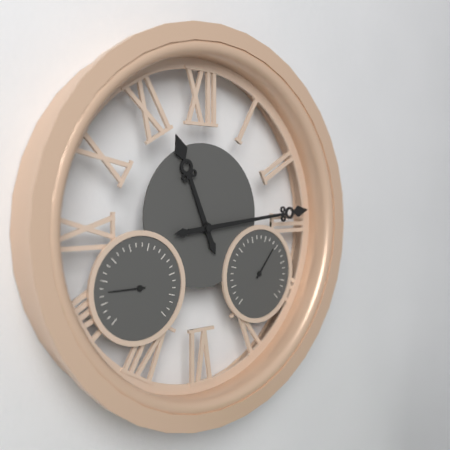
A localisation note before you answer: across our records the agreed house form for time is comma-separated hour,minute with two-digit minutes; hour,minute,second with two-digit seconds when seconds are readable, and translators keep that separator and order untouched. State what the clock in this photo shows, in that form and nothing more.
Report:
11,14
